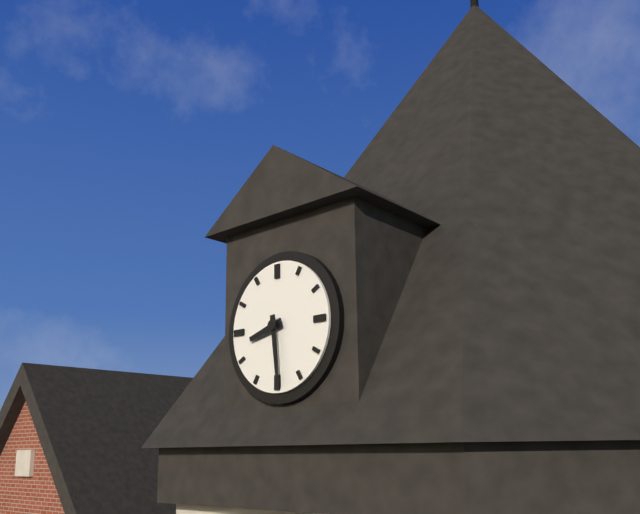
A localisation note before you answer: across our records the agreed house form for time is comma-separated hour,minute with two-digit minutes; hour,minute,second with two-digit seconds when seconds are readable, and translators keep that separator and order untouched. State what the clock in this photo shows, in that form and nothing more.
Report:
8,29
